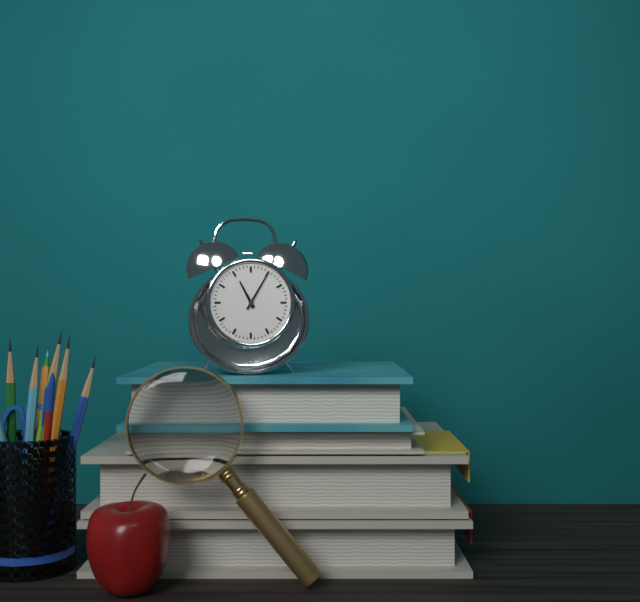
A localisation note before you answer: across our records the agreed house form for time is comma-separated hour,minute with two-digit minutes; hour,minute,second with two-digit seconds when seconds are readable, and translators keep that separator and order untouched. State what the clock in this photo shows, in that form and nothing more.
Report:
11,05
